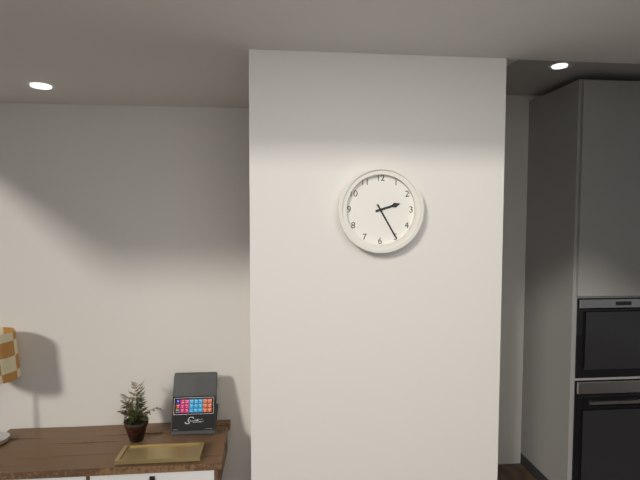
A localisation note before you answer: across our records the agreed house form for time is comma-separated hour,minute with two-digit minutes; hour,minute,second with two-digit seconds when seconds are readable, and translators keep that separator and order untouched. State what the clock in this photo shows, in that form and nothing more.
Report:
2,25
